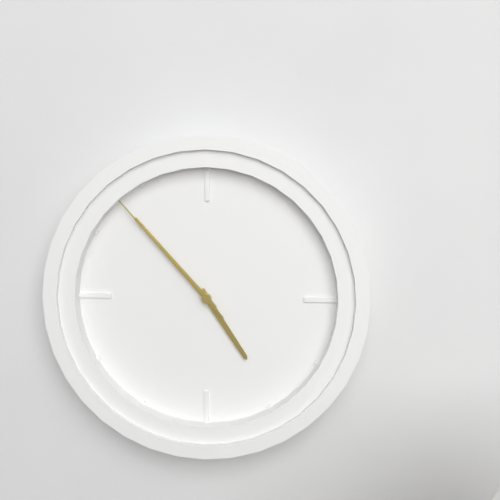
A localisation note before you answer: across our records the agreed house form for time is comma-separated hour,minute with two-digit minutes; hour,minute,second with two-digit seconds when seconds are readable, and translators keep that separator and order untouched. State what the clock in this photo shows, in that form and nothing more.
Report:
4,53,53
